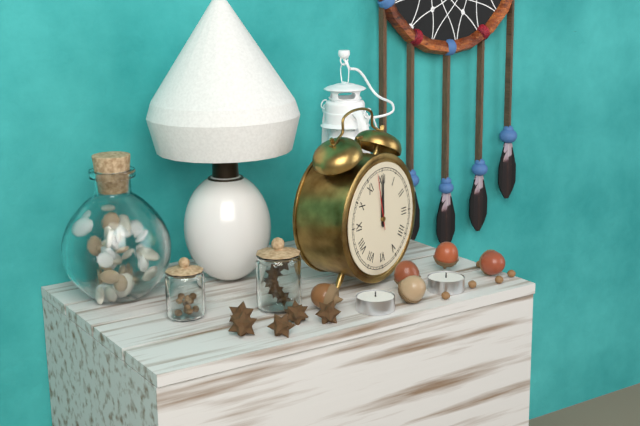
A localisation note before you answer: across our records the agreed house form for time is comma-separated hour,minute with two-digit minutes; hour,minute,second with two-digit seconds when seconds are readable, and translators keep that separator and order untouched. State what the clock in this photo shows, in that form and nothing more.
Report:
12,00,58
